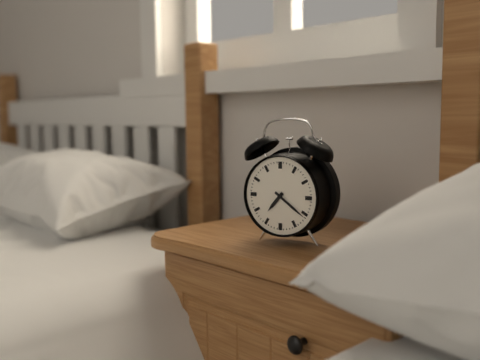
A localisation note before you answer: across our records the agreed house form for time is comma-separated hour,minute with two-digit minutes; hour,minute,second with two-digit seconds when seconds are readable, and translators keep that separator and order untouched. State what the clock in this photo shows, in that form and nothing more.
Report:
7,21
